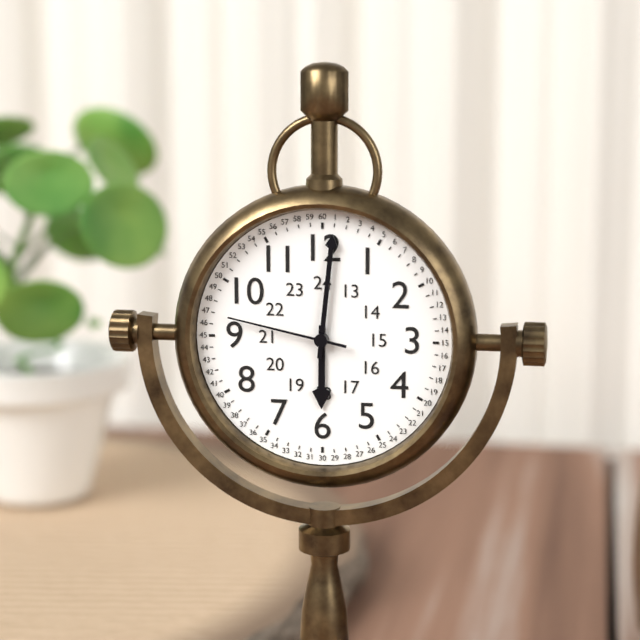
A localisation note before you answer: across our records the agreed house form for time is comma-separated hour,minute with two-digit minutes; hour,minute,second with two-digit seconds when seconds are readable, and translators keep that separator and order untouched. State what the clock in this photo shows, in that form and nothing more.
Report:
6,01,47
